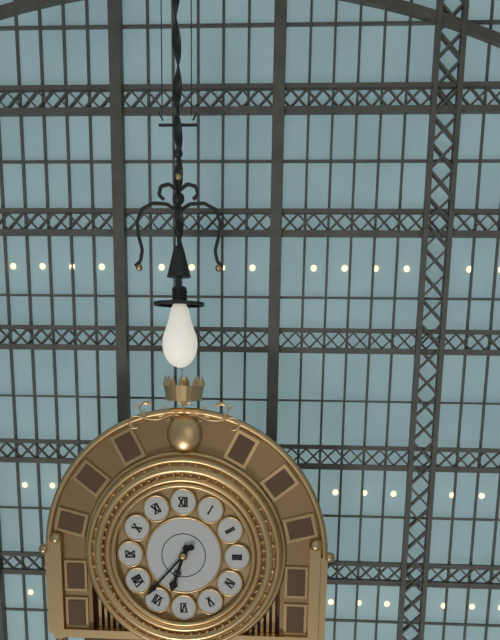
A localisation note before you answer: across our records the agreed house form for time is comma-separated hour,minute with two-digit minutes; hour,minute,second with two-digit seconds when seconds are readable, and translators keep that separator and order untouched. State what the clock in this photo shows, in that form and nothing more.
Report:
6,37
